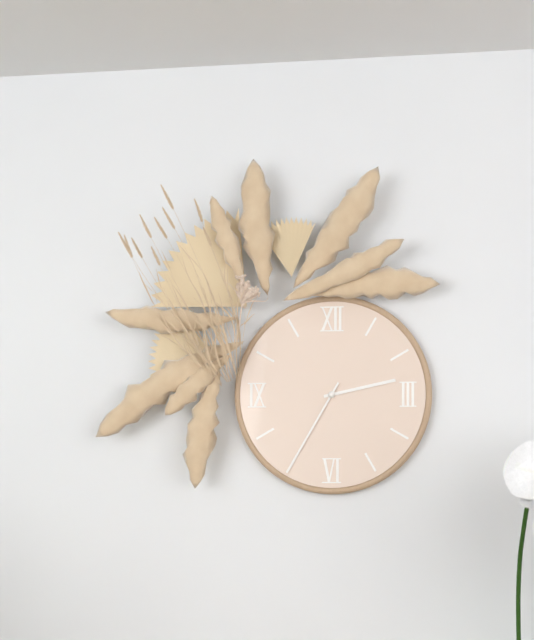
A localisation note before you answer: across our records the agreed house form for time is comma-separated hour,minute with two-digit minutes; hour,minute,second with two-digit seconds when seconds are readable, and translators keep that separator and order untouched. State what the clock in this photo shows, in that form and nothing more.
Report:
2,35
